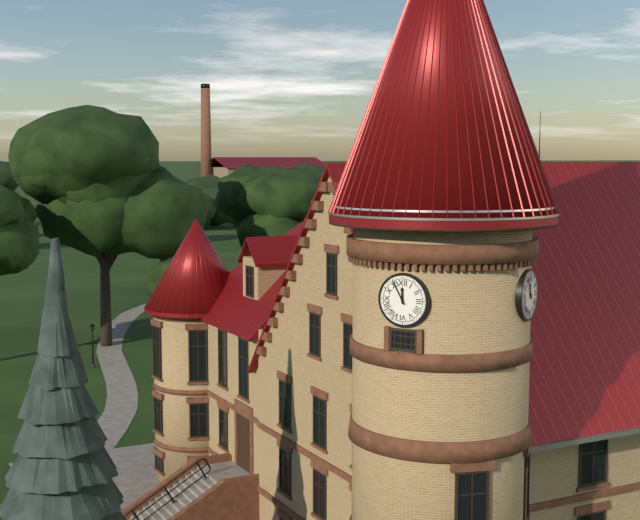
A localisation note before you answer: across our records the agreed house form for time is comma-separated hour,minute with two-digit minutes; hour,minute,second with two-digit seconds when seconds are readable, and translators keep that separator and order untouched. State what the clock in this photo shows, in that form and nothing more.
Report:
11,55
